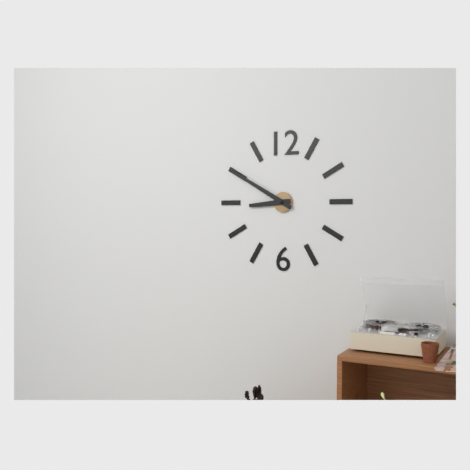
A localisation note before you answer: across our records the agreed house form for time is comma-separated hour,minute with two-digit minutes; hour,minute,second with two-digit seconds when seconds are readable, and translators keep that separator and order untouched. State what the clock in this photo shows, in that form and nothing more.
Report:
8,50
